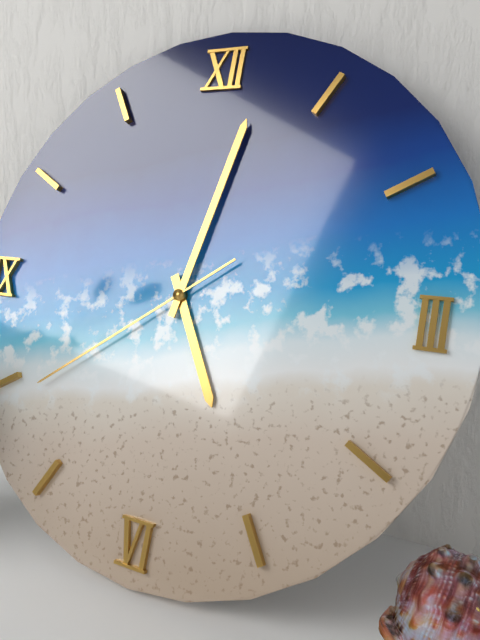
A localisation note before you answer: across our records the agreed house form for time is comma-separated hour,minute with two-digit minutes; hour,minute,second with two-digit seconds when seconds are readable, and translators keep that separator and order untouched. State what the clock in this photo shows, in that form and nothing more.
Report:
5,02,39
